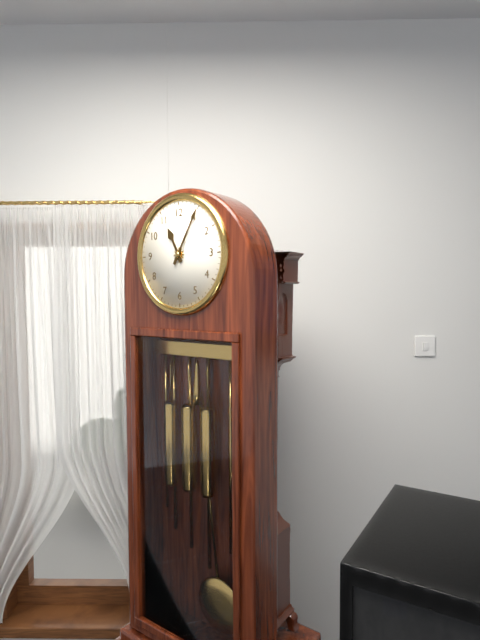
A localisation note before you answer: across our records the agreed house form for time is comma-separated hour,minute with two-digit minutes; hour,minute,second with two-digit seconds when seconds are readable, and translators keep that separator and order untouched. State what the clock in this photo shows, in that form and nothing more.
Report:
11,05
